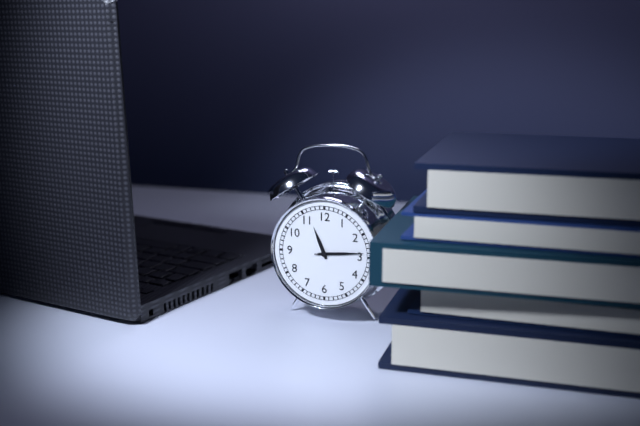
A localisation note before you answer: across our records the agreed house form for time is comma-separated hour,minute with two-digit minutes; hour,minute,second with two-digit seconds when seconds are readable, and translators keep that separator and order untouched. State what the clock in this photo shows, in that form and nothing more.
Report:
11,14
